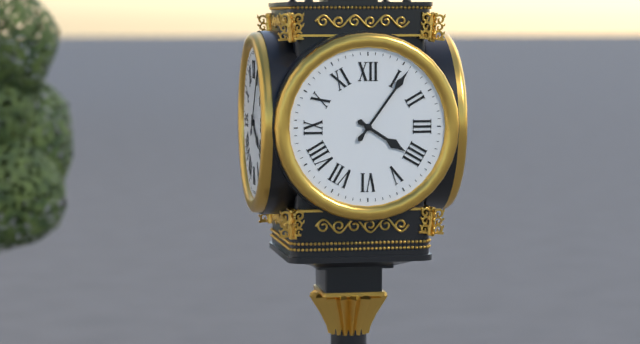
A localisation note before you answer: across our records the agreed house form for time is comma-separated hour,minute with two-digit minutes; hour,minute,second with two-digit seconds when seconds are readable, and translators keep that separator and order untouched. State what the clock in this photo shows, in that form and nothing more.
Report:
4,06
